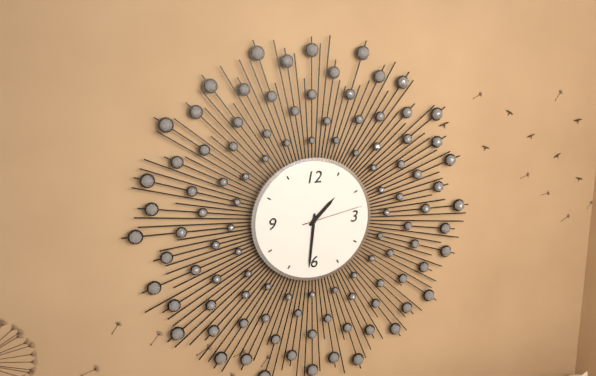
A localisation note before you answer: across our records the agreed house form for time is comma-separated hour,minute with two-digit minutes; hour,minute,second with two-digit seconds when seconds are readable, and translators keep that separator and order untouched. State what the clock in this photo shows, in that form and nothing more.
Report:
1,31,13
